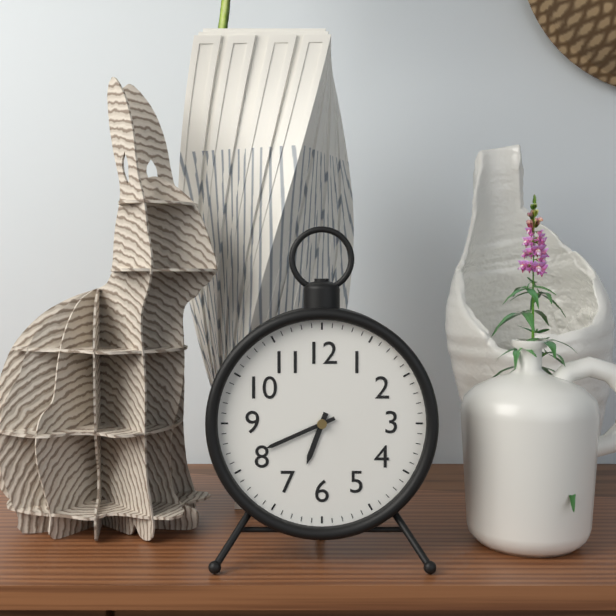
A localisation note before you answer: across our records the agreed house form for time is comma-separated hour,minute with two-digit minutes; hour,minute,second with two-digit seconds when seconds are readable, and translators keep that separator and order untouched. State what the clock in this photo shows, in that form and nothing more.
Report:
6,41
